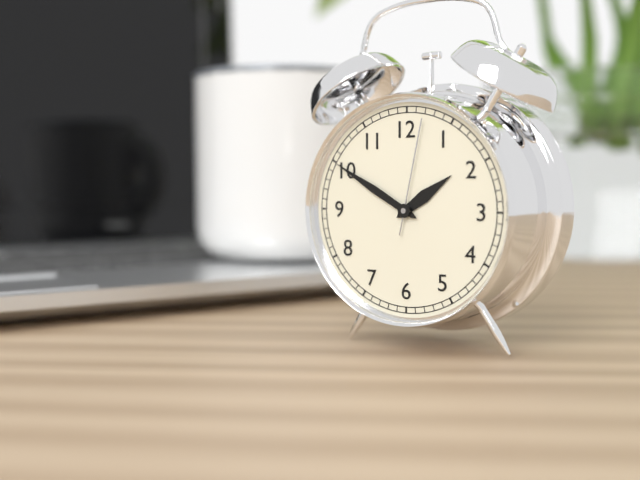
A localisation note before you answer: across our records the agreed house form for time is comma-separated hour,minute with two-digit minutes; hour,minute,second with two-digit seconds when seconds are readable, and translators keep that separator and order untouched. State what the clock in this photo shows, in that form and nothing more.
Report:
1,50,02
